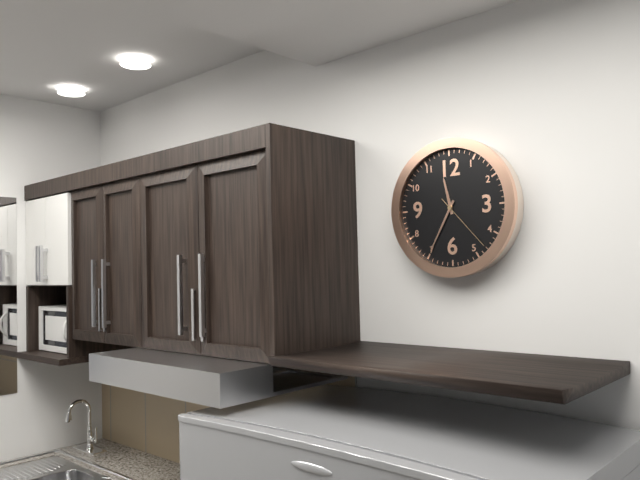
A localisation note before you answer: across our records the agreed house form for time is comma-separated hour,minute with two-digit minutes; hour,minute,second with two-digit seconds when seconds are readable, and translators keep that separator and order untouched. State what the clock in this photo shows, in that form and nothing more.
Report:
11,35,23
